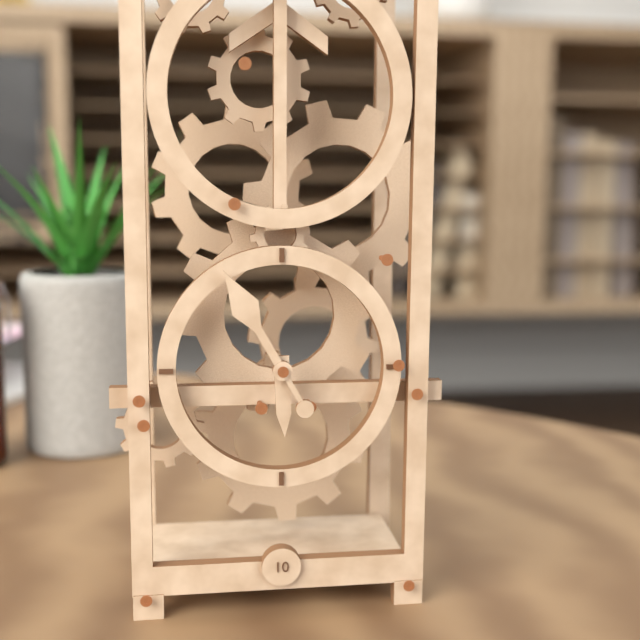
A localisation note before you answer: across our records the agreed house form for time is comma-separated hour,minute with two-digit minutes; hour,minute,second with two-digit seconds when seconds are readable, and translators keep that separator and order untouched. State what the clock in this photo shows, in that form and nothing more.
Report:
5,55
